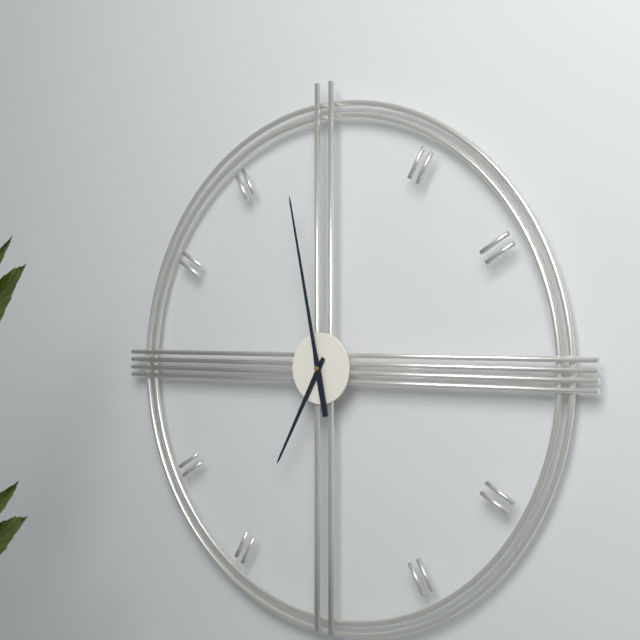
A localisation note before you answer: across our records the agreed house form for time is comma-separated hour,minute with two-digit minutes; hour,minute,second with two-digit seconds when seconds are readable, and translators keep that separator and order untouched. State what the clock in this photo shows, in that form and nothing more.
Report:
6,58
